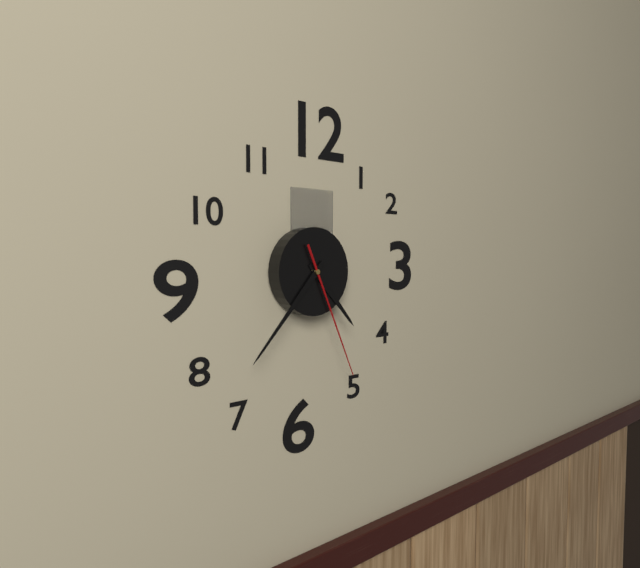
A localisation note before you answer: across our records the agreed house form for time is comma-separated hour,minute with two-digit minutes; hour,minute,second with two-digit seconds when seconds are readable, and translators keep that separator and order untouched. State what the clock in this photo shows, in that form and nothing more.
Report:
4,37,26
